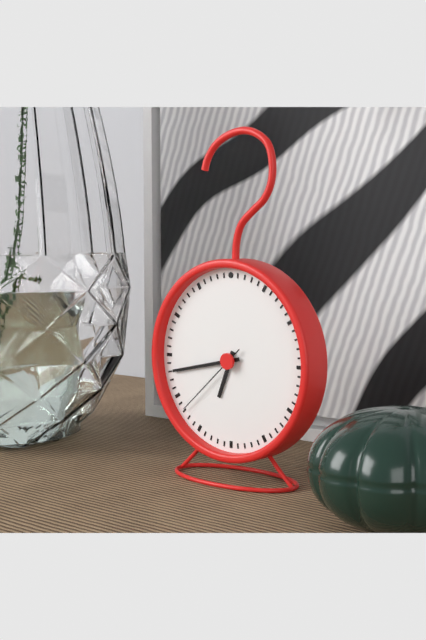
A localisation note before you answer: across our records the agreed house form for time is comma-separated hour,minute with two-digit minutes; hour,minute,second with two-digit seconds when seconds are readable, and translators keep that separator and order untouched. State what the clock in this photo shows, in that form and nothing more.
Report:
6,43,38
